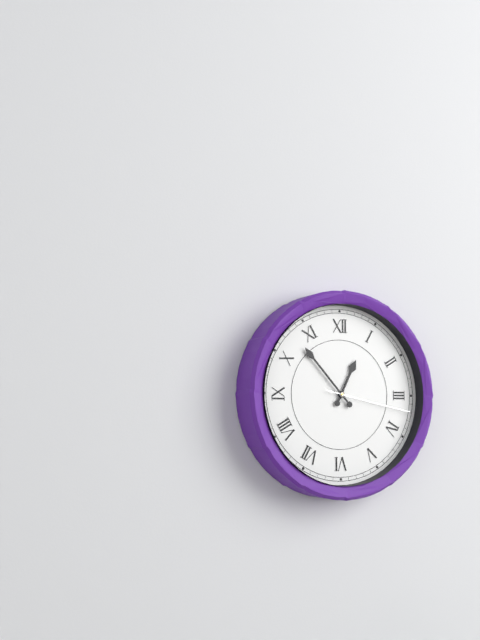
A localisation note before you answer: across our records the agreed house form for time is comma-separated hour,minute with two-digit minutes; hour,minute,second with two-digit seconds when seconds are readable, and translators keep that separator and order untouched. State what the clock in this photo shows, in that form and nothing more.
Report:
12,53,17
